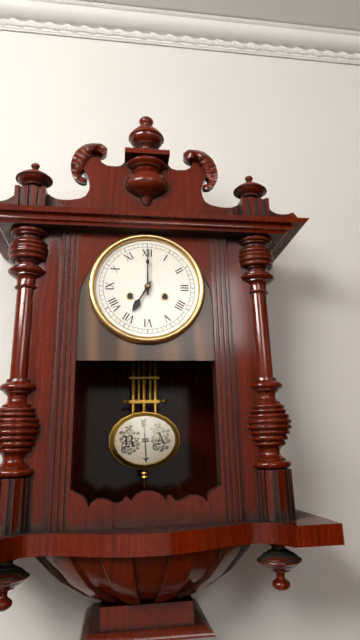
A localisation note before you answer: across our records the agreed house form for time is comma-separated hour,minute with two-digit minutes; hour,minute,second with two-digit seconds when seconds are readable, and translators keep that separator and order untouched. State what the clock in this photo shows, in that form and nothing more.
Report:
7,00
